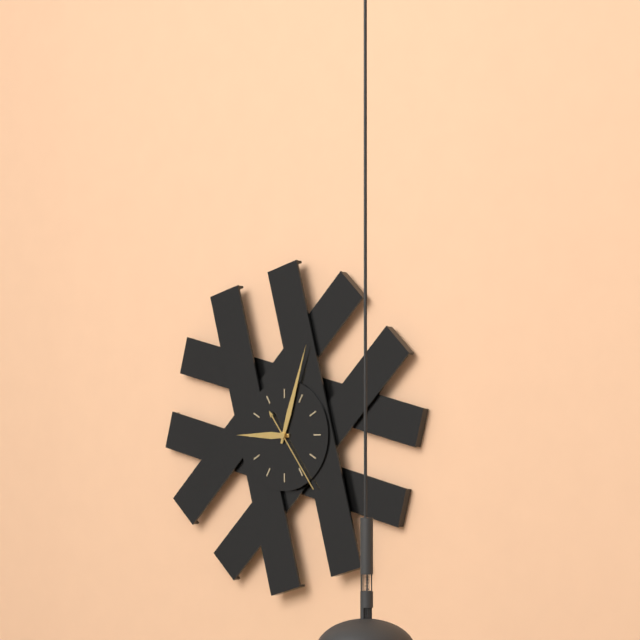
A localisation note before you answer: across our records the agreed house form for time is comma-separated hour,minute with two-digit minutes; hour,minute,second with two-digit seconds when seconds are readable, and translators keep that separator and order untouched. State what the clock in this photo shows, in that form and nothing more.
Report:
9,03,24
